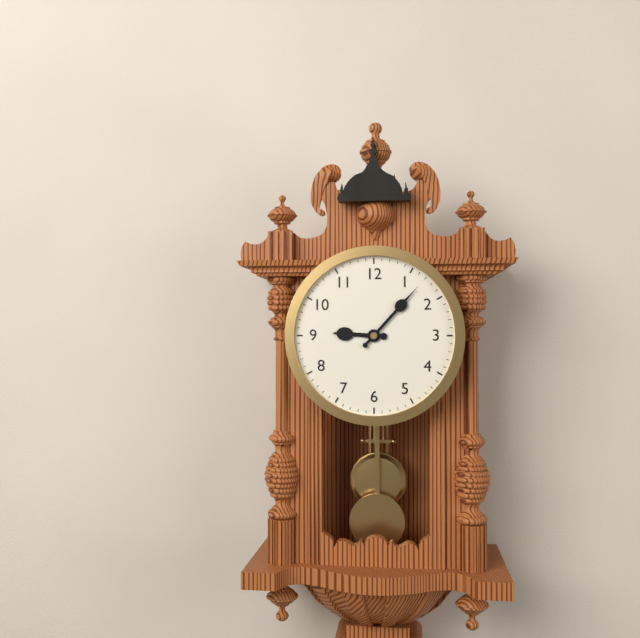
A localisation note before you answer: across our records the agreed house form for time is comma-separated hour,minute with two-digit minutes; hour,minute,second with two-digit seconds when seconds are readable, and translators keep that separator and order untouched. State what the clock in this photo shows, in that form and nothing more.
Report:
9,07
